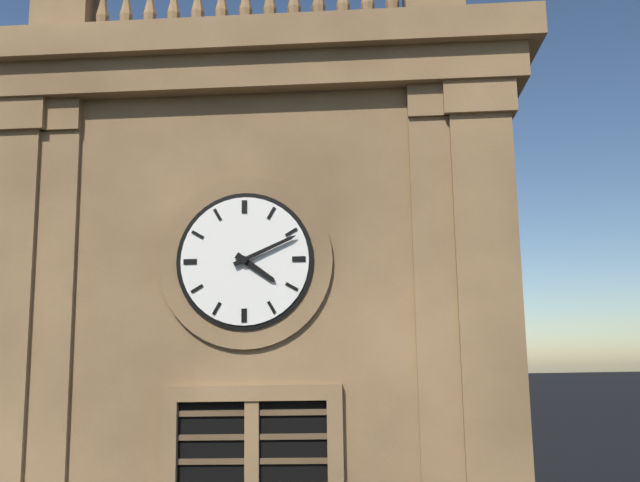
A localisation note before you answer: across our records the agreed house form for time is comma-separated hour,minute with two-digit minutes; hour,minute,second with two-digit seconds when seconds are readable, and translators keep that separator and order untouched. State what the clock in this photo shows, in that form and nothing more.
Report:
4,11
